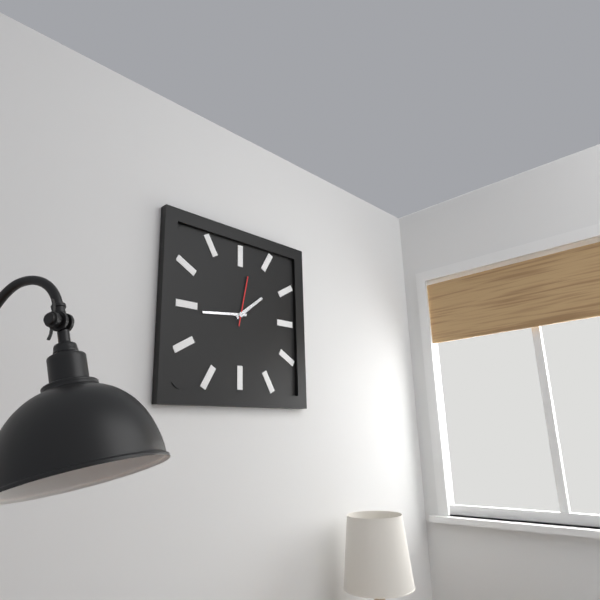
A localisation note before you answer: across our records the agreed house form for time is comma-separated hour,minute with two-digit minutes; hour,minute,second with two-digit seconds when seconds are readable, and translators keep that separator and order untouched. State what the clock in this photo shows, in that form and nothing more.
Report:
1,44
